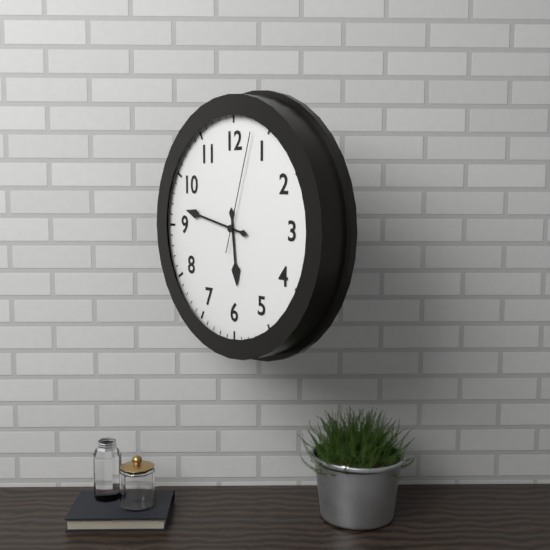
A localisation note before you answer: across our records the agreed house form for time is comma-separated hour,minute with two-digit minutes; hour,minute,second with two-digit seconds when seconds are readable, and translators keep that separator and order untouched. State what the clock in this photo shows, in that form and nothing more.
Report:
5,47,03
